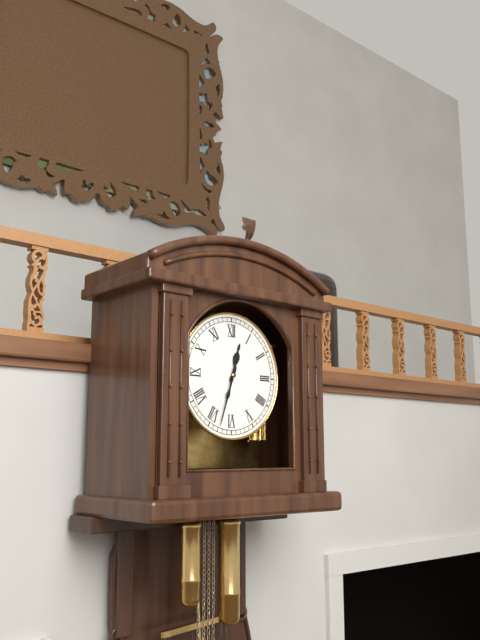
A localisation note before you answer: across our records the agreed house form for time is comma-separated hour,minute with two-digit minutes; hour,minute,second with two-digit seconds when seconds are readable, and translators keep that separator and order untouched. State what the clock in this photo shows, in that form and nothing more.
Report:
12,33
